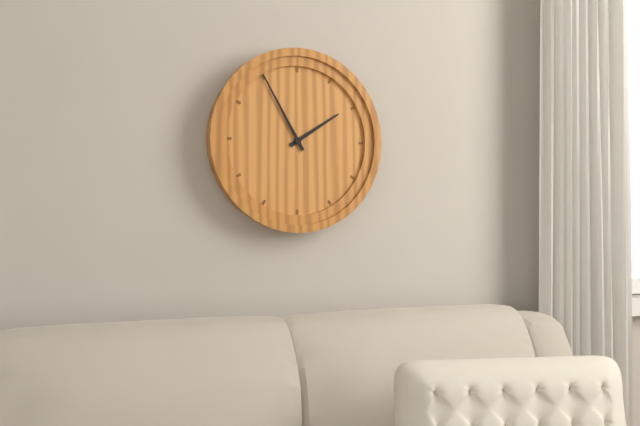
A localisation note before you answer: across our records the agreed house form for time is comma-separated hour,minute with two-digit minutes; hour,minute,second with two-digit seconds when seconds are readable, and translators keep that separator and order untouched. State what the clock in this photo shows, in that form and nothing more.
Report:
1,55
